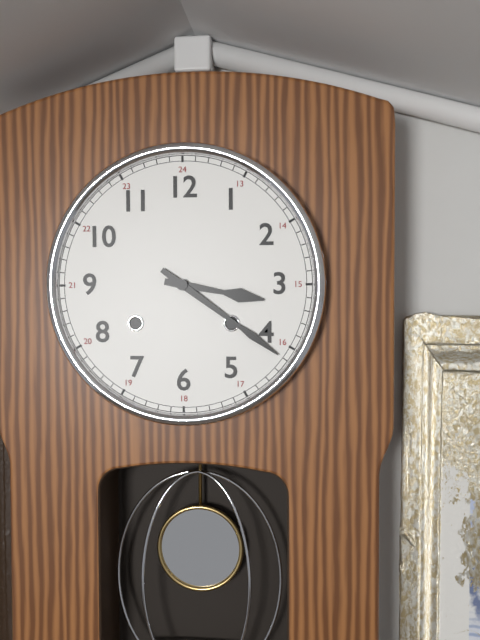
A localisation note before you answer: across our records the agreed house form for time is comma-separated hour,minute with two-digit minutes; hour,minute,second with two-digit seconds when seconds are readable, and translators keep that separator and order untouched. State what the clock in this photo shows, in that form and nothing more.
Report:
3,21
